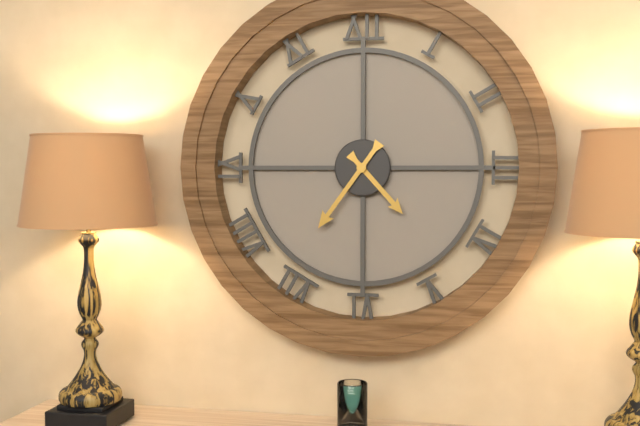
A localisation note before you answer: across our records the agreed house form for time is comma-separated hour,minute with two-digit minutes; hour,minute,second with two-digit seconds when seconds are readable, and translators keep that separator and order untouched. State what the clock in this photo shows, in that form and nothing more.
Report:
4,36
